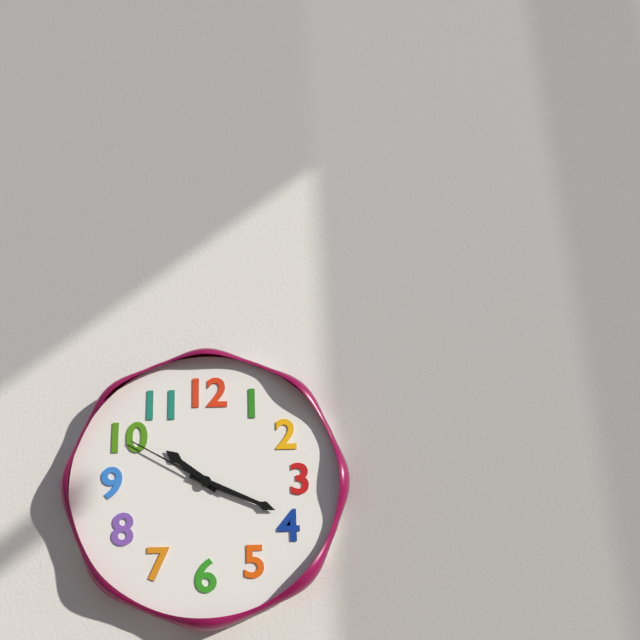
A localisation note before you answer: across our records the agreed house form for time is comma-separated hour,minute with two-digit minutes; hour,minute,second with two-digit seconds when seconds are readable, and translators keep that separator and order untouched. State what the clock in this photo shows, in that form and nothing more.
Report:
10,19,50
